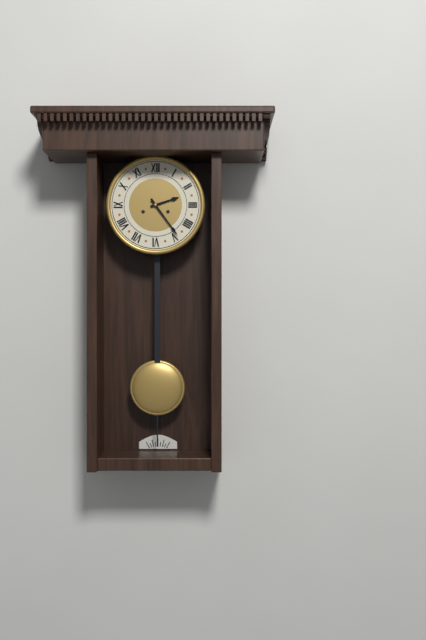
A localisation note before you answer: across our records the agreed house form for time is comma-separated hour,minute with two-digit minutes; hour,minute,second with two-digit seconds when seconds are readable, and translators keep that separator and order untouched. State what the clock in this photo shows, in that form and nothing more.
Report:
2,24
